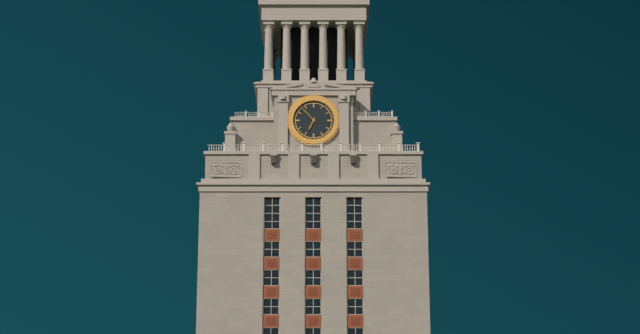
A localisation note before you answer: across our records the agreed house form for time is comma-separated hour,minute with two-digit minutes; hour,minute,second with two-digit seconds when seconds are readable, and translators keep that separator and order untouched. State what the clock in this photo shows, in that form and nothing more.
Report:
6,53
